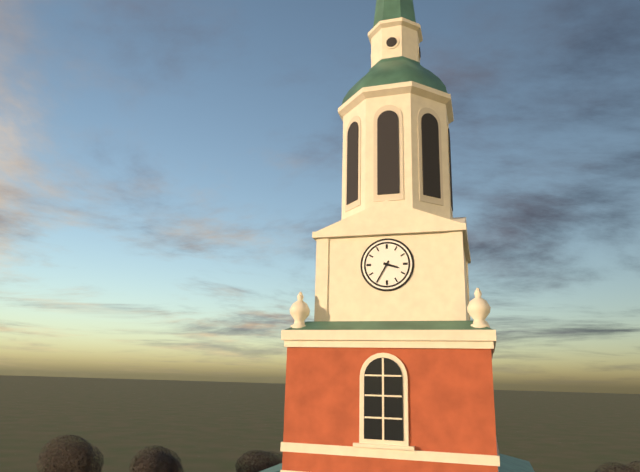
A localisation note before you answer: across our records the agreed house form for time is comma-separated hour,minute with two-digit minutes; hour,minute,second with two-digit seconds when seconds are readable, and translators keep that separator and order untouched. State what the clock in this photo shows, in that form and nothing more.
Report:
3,35
